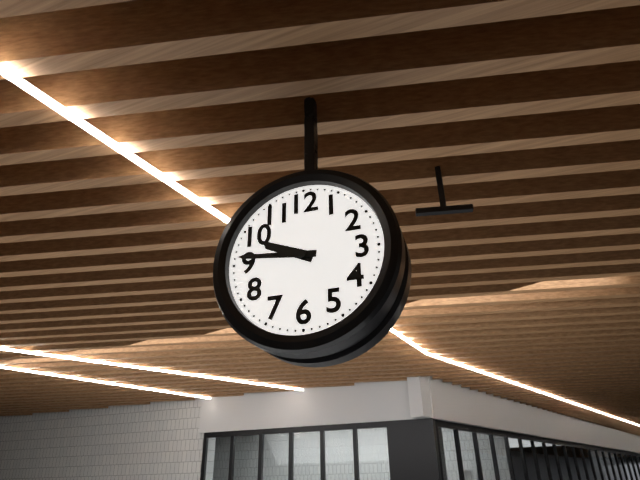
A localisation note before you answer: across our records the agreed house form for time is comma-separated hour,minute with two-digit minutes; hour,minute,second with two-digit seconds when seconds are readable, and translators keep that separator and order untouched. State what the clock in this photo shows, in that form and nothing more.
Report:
9,46
